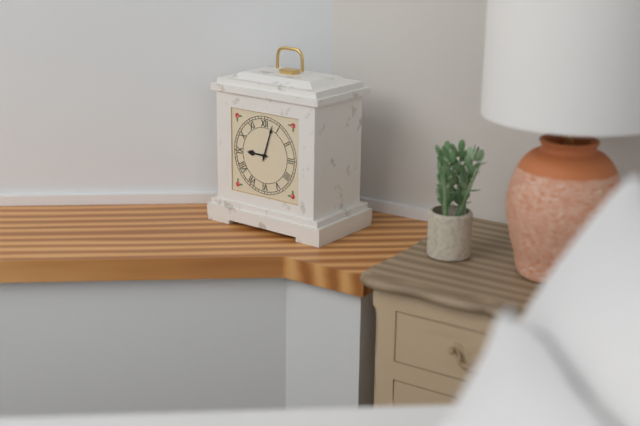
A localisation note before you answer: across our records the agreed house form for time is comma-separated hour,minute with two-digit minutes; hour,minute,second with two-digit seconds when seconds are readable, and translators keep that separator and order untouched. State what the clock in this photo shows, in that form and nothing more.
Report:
9,03
